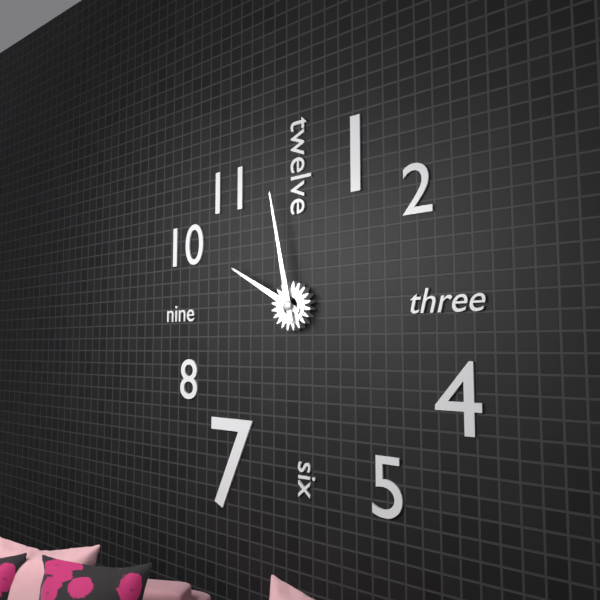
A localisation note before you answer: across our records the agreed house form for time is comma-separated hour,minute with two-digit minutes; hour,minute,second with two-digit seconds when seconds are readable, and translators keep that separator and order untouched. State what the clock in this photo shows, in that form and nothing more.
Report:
9,58
